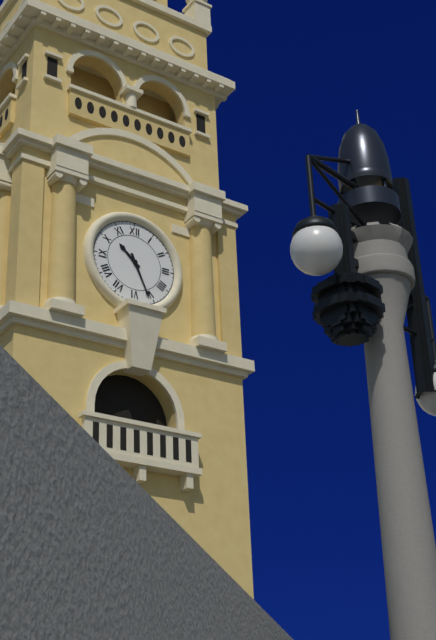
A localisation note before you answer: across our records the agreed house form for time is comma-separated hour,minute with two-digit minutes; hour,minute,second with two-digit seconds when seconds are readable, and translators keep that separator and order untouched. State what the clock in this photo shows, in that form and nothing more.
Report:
10,26
